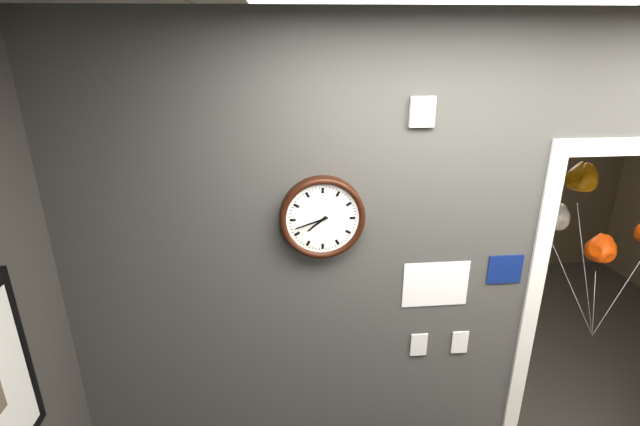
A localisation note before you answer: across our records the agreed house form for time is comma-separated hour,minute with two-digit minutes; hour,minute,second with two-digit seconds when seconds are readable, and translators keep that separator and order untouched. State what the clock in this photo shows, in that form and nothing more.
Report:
7,42
